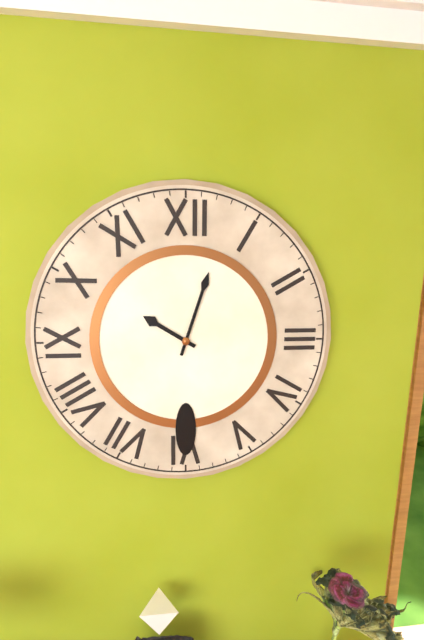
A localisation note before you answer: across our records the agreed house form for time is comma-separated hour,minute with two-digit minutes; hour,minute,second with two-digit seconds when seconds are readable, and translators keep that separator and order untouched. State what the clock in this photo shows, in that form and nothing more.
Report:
10,03
